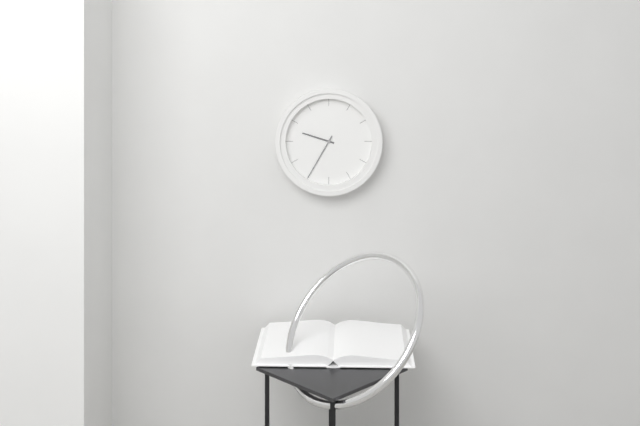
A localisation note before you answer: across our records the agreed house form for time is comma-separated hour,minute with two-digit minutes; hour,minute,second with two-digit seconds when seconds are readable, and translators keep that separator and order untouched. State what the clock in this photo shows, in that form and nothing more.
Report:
9,35
